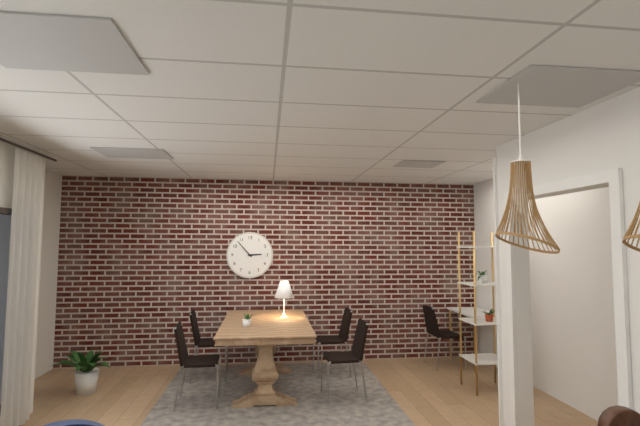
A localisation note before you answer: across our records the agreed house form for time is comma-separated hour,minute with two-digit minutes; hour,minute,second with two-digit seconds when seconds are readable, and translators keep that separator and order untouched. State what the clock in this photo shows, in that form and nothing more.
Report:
2,53
